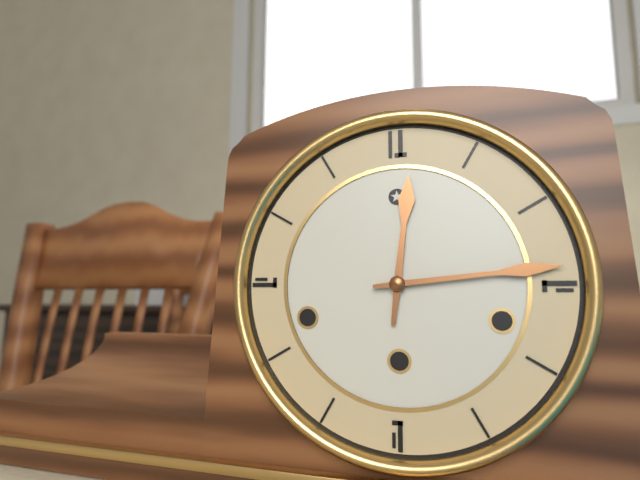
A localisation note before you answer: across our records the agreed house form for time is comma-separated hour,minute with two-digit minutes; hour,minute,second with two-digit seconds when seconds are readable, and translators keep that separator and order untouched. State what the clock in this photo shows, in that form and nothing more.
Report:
12,14
